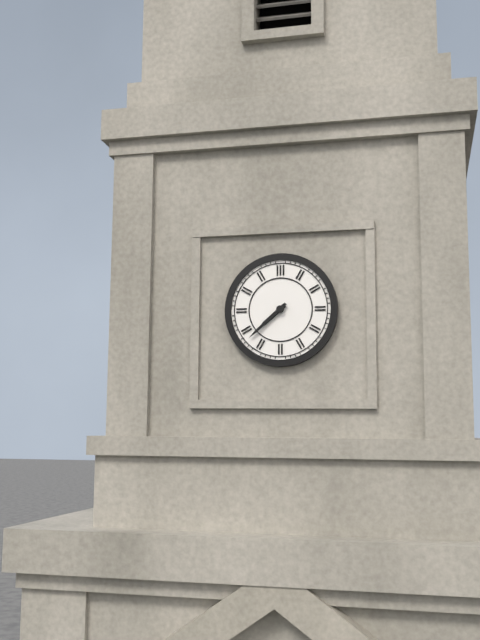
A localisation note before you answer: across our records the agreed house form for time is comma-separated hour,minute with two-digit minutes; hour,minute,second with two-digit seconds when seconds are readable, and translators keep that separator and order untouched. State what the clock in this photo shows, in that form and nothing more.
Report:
7,38
